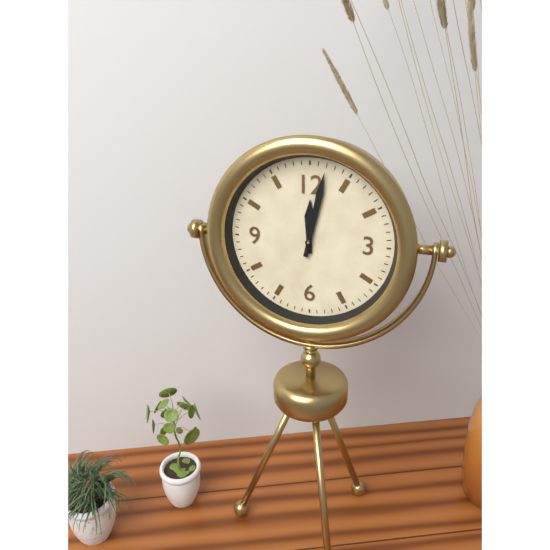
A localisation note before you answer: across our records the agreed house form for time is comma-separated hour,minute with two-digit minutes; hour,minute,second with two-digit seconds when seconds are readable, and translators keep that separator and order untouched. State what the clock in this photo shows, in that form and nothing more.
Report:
12,02
